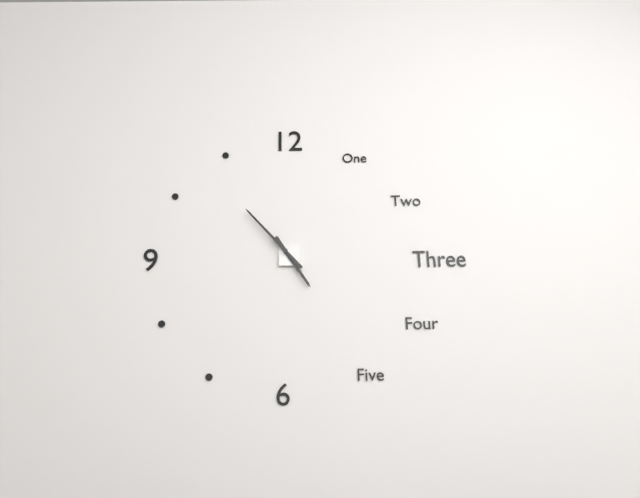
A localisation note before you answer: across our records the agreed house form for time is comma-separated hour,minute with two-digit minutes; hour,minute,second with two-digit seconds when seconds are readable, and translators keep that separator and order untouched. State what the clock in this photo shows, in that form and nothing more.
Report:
4,53
